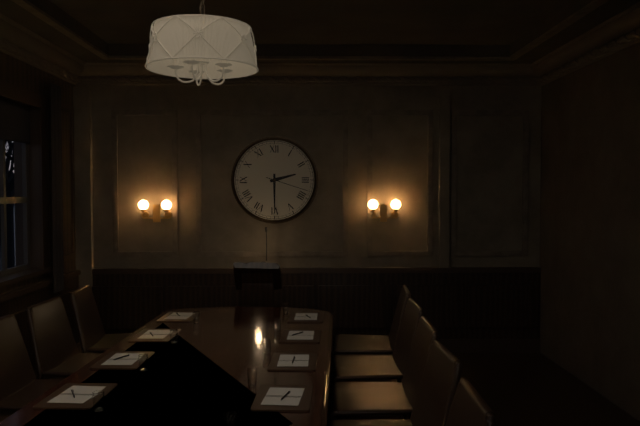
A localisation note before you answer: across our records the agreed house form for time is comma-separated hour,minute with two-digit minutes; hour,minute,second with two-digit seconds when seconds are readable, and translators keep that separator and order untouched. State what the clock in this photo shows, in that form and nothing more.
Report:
2,30
